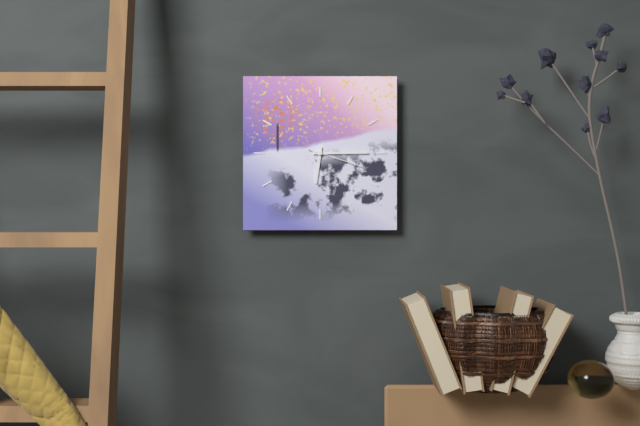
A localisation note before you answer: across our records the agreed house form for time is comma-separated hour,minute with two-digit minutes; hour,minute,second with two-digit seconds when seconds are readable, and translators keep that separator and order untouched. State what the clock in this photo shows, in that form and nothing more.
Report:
6,15,18
